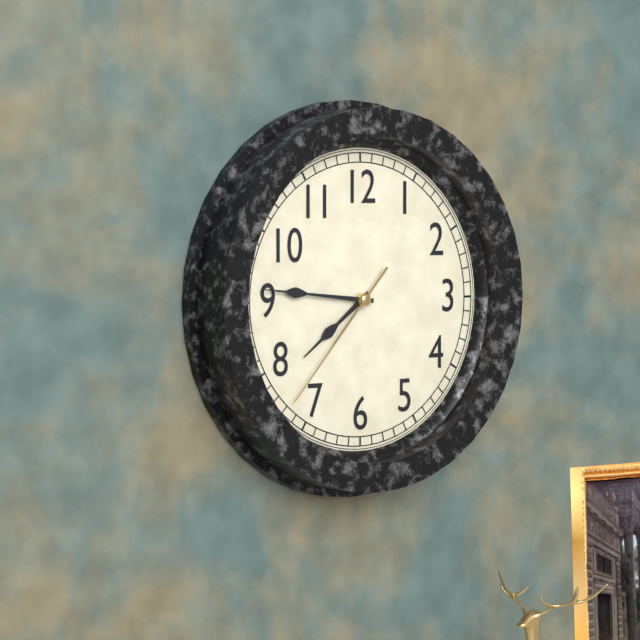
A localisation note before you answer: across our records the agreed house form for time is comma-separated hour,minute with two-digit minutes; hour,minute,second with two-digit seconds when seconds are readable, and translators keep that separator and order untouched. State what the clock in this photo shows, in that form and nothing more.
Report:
7,46,37
